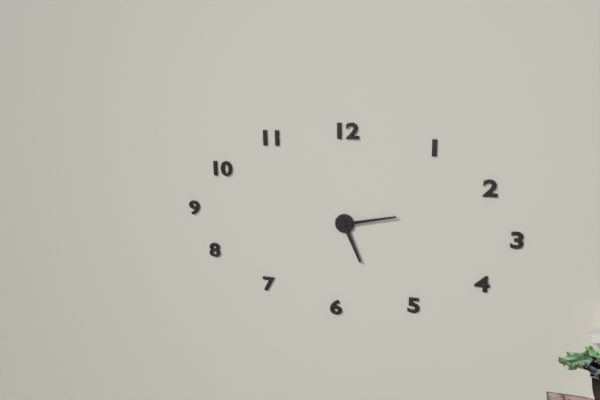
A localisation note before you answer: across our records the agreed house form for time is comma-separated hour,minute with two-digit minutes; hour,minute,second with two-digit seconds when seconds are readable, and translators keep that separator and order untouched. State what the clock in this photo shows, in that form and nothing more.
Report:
5,13
